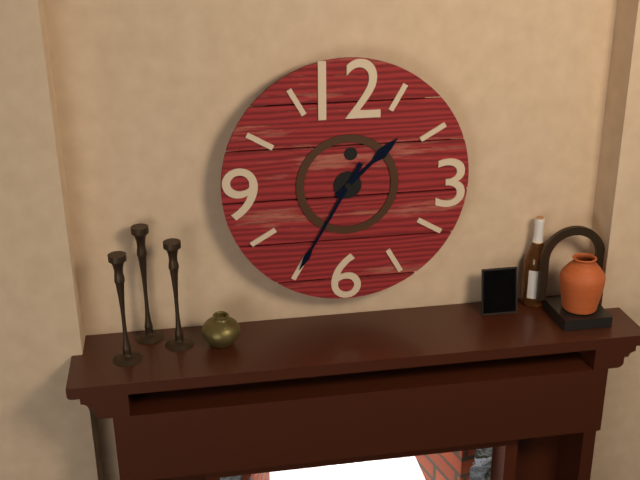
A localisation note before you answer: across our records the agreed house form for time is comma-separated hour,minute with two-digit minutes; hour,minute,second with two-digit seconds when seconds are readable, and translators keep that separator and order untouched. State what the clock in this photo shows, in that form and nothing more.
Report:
1,35
